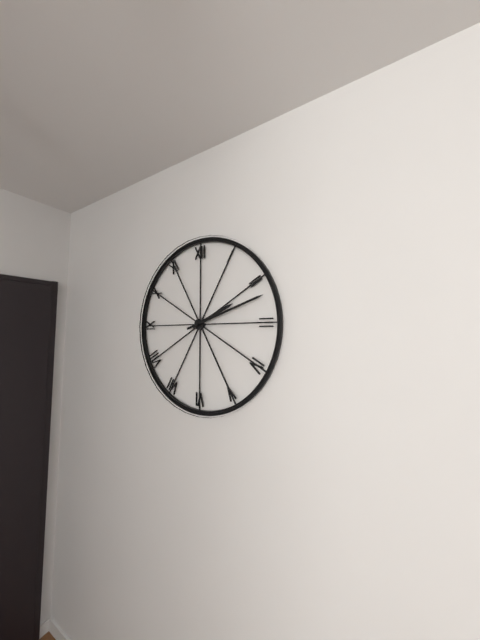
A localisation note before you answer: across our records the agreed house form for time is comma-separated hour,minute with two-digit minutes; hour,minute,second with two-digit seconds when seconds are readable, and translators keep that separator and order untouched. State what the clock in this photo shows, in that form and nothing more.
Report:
2,12
